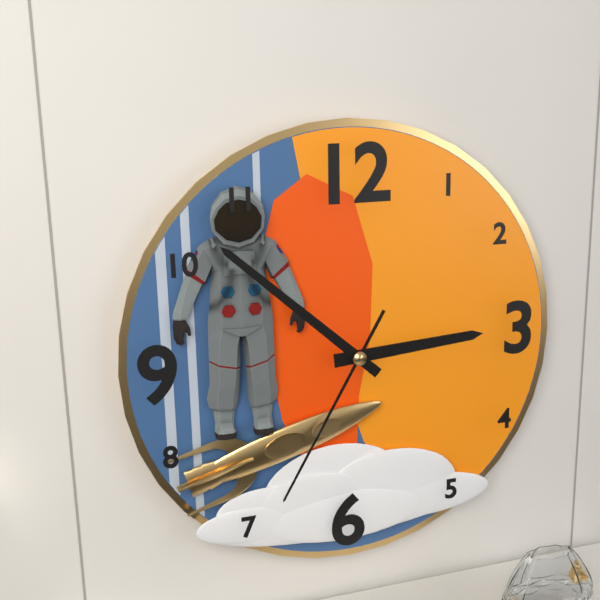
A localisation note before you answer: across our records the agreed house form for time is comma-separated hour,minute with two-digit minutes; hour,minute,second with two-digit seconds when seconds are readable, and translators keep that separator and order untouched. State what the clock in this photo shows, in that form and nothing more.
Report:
2,52,35
